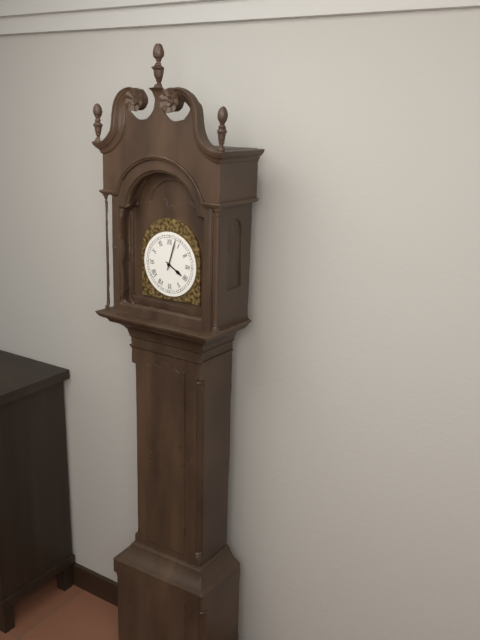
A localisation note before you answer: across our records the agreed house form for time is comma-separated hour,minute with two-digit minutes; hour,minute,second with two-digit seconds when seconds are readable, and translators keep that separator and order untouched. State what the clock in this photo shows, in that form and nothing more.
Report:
4,03
